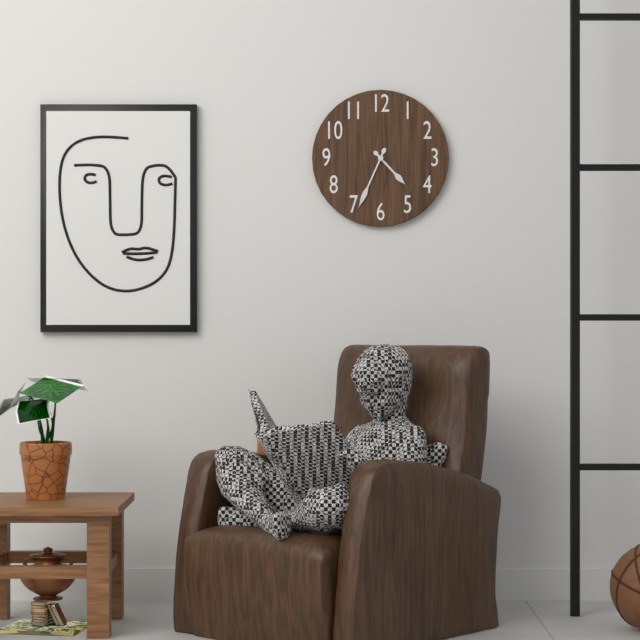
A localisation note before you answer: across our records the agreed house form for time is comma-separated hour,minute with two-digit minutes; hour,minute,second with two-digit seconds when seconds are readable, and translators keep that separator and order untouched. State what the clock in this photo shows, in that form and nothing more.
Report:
4,34
